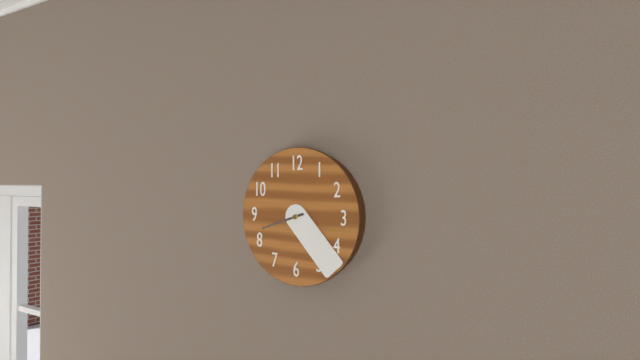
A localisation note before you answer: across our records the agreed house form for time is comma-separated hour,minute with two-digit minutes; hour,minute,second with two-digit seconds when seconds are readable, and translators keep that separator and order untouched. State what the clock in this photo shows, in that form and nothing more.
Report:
8,23
